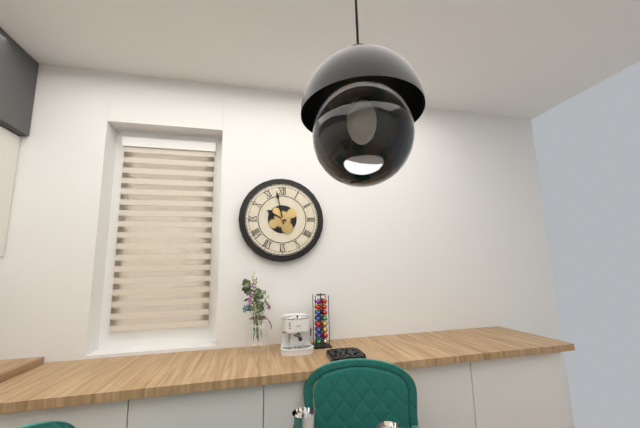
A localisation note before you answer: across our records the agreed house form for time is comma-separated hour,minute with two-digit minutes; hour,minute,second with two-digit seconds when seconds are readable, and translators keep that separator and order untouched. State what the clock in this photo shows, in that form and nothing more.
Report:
9,58
